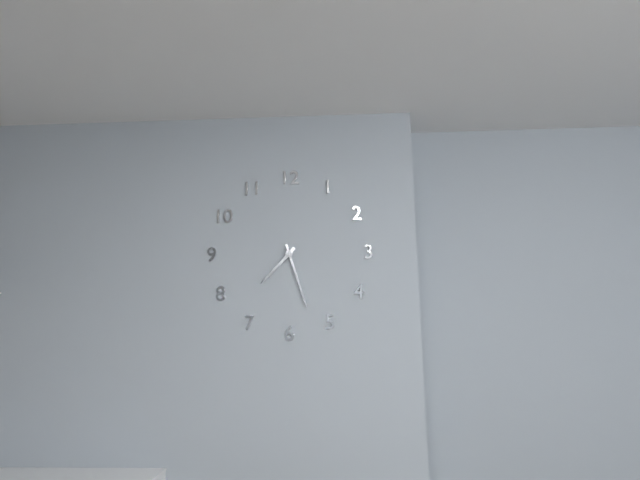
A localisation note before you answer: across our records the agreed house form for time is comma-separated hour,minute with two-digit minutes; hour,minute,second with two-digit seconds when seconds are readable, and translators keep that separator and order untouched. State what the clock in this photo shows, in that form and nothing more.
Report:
7,27
